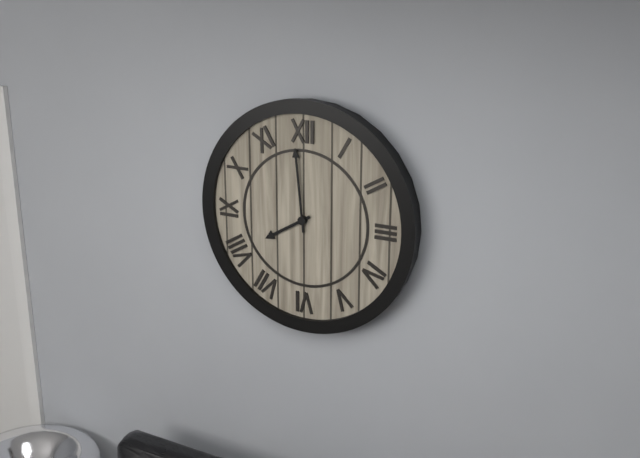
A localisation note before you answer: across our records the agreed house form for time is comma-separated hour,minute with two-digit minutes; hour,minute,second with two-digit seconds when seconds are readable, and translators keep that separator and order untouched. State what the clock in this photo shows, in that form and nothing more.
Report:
7,59
